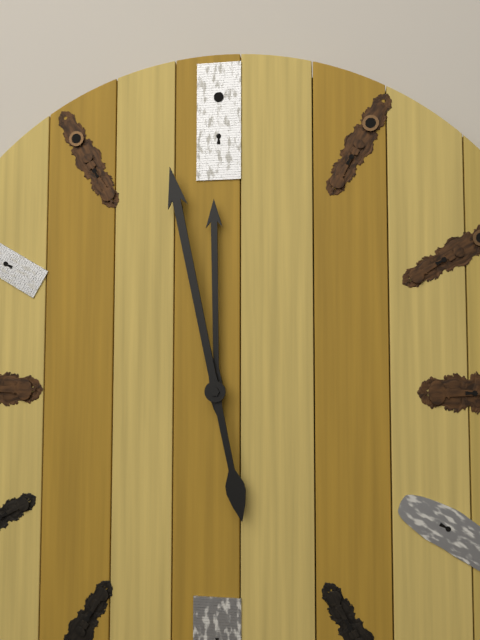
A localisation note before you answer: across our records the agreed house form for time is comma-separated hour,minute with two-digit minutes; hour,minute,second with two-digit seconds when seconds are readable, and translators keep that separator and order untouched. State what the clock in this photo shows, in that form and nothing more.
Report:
11,58
